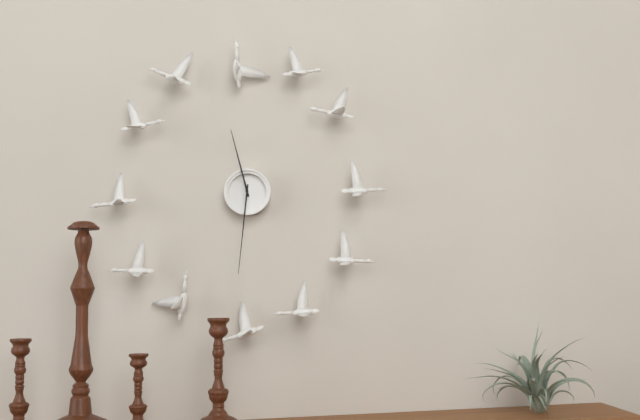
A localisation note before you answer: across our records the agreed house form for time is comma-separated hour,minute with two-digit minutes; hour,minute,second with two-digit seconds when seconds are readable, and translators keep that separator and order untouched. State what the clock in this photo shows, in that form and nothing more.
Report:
11,31
